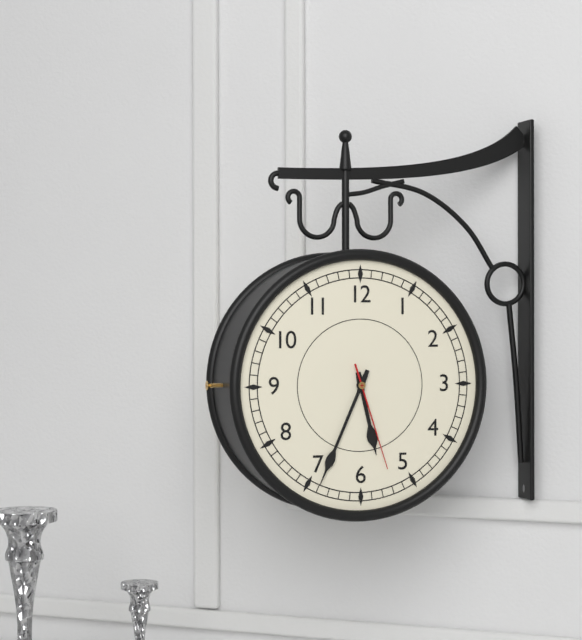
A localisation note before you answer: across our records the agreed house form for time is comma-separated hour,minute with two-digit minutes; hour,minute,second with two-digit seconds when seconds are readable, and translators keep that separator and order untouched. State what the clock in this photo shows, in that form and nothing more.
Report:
5,34,27
